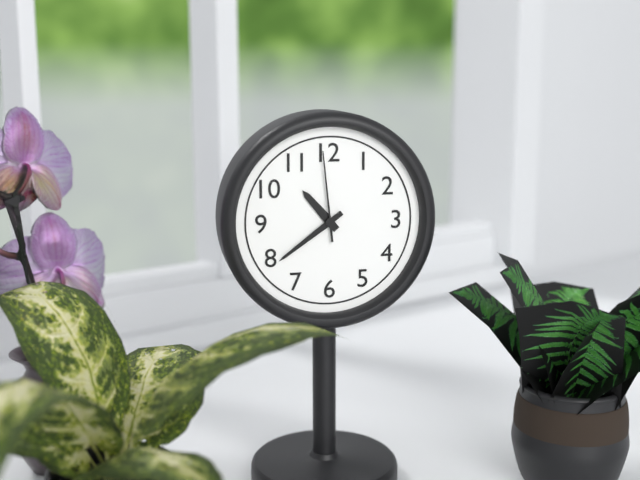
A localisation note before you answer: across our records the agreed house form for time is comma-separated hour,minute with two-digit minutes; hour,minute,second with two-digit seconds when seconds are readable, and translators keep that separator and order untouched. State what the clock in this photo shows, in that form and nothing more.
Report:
10,39,59
